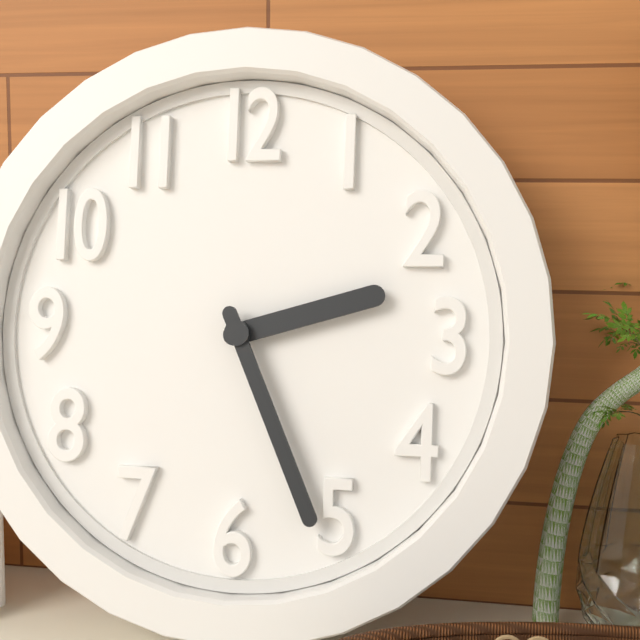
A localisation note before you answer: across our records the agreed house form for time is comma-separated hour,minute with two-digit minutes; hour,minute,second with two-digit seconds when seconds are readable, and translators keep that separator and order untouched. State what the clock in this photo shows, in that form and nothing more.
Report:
2,26
